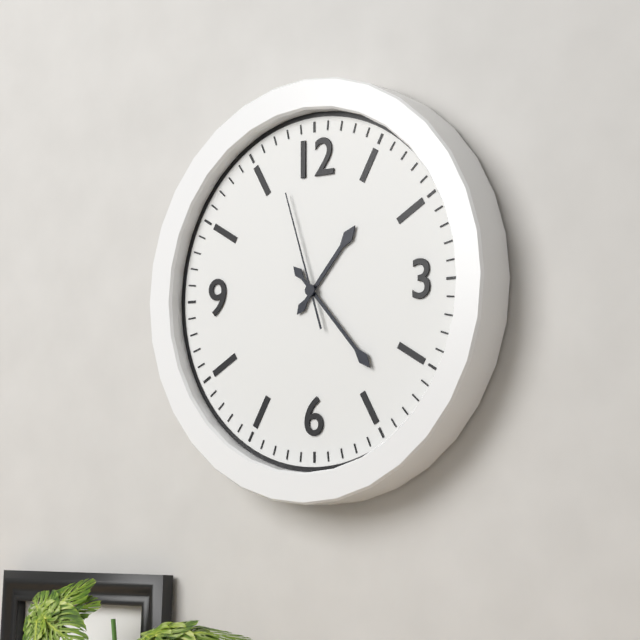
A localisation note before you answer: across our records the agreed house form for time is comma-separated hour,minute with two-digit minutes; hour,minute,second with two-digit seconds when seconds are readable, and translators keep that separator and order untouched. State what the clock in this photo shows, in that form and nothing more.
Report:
1,23,57
